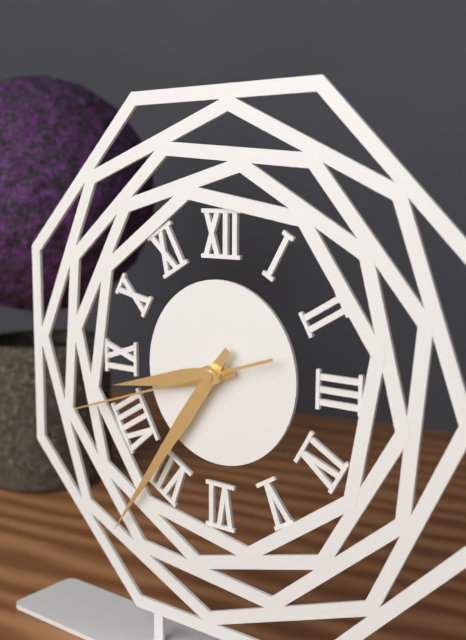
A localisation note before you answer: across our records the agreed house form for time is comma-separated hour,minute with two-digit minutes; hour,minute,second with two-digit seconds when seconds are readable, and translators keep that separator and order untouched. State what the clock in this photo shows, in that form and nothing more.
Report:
8,36,42
